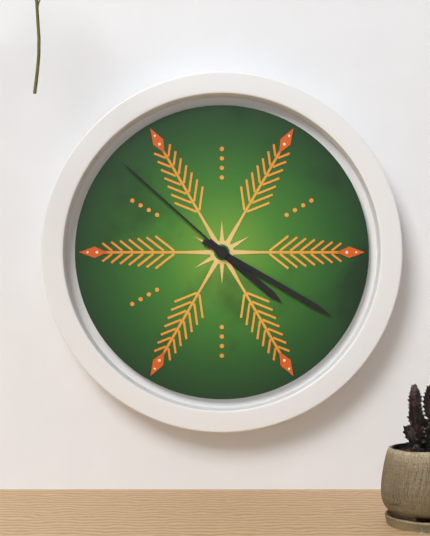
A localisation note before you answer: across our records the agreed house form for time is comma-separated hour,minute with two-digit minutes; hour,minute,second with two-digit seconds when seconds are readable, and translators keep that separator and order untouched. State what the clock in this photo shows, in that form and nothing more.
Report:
4,20,52
